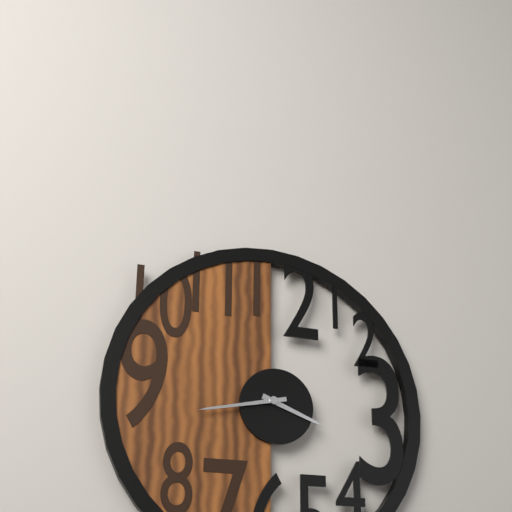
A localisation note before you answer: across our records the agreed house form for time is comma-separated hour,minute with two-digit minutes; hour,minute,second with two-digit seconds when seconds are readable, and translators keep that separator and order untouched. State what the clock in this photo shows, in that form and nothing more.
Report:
3,43
